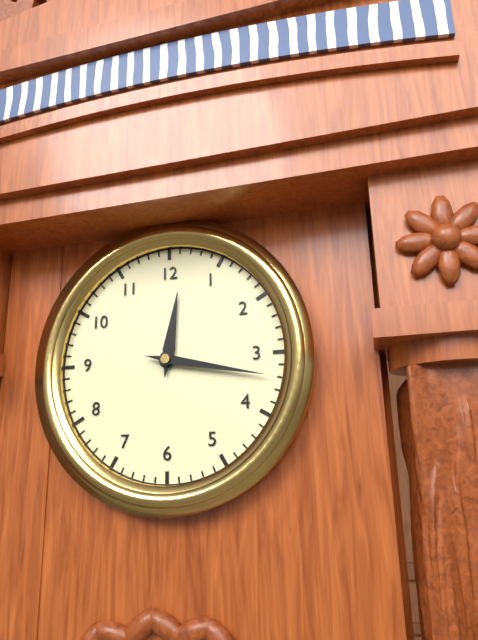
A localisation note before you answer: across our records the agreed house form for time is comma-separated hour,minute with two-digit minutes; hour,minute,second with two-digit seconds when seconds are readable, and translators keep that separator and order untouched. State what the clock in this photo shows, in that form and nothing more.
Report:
12,17
